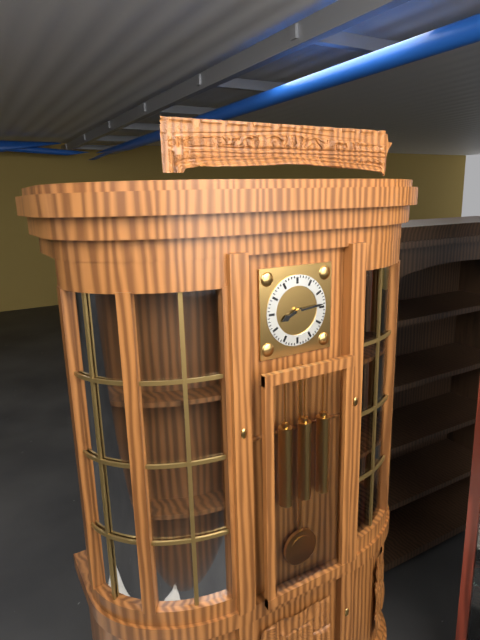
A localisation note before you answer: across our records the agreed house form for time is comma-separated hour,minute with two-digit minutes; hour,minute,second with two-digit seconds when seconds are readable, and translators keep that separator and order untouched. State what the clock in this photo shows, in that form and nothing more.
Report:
8,14
